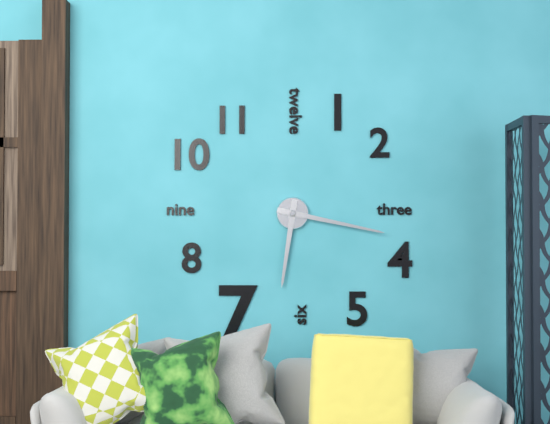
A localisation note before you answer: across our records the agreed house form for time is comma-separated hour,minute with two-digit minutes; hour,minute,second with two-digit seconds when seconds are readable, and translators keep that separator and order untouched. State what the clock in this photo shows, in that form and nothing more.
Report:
6,17
